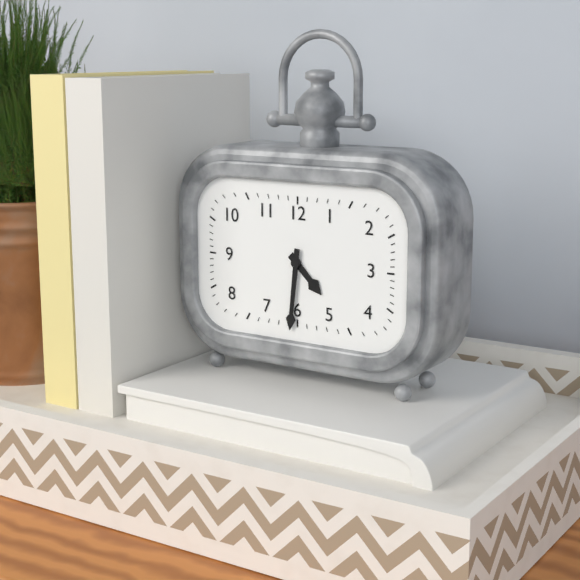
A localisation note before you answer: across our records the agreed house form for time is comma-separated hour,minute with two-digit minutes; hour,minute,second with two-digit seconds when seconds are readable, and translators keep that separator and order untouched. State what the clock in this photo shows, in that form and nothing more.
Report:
4,31
